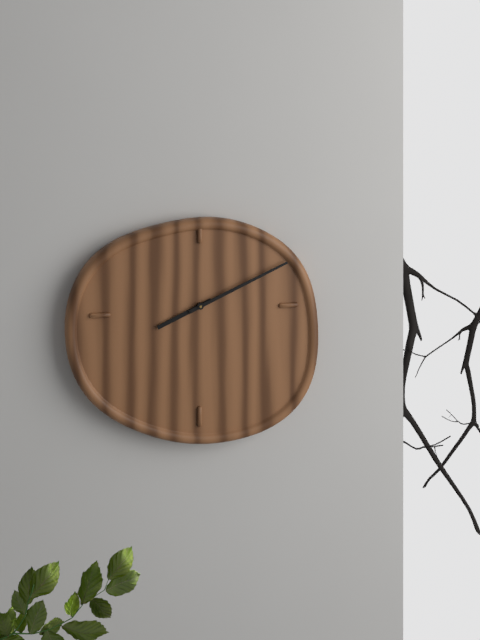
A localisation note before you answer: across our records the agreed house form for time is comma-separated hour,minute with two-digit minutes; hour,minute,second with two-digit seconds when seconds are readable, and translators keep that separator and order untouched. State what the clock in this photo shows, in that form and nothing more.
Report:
8,11
